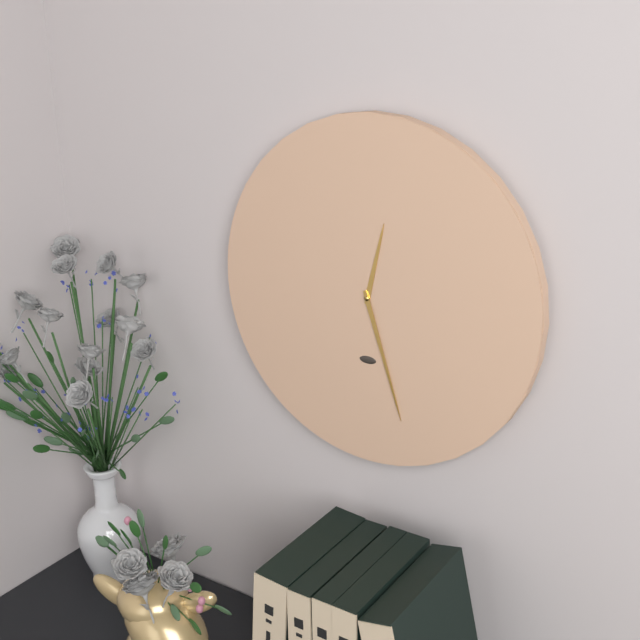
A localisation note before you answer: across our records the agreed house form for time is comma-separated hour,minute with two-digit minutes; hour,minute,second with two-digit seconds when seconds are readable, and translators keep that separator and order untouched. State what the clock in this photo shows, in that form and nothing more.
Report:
12,27
